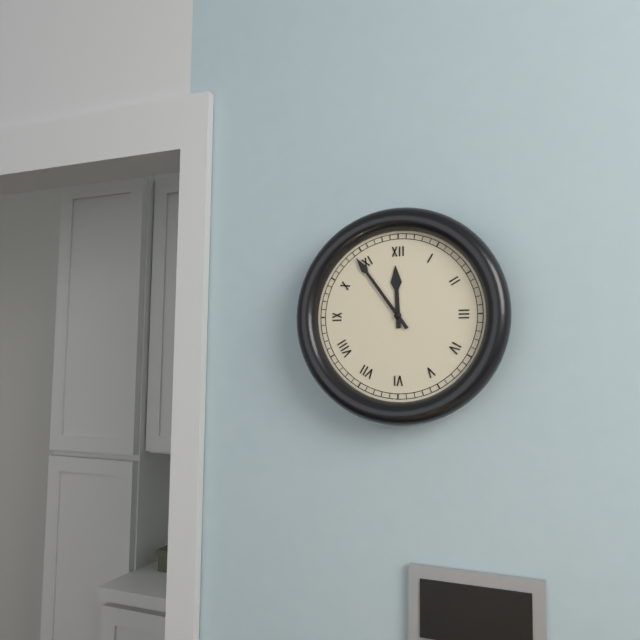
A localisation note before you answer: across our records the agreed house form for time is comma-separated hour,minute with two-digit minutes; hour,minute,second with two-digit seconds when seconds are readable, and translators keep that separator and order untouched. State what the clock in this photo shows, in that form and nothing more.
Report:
11,54
